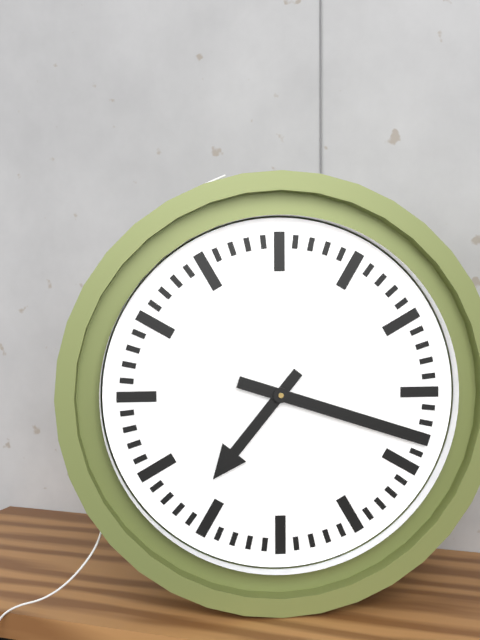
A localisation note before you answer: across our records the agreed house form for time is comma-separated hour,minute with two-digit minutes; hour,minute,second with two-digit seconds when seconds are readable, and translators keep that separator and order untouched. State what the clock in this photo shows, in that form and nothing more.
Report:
7,18
